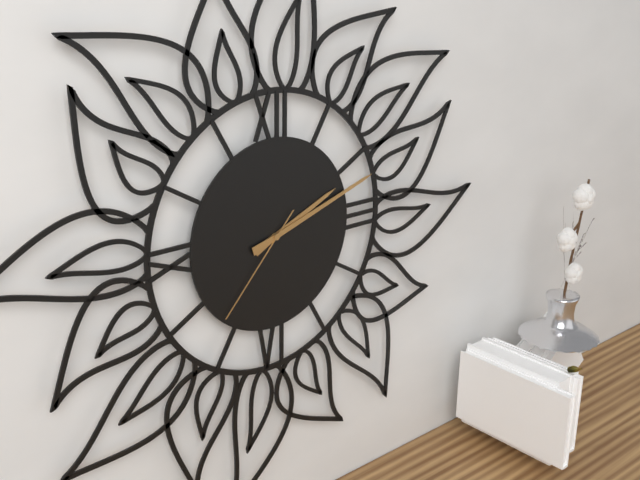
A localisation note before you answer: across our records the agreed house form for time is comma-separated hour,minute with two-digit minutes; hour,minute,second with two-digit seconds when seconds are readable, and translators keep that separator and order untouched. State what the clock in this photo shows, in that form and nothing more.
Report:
2,12,37
